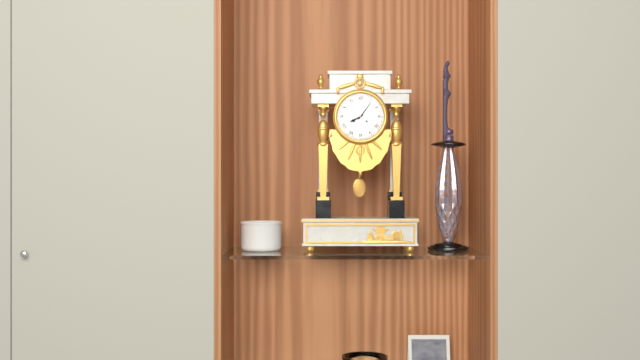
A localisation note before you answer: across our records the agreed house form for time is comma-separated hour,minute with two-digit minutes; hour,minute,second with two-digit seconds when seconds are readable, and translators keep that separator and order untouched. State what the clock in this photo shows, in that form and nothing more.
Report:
8,06
